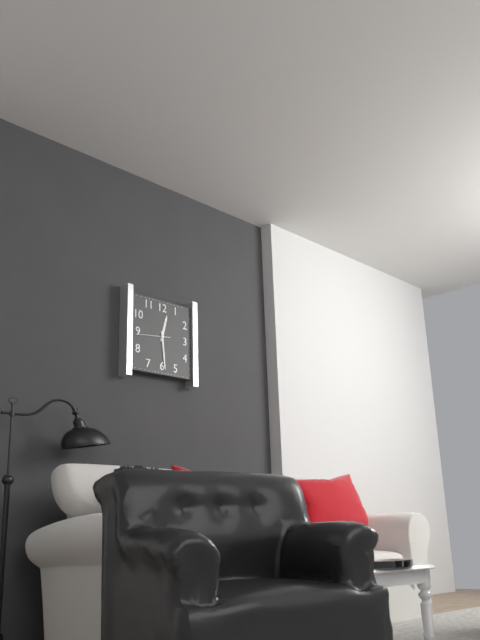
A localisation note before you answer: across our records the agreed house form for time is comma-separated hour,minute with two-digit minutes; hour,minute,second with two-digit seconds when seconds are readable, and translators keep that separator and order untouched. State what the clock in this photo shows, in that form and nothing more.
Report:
12,29
